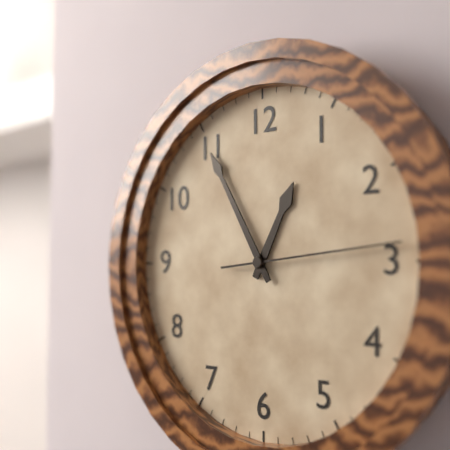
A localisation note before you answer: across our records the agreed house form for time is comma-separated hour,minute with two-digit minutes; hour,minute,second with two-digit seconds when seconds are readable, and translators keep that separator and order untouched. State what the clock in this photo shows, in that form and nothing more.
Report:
12,55,14
